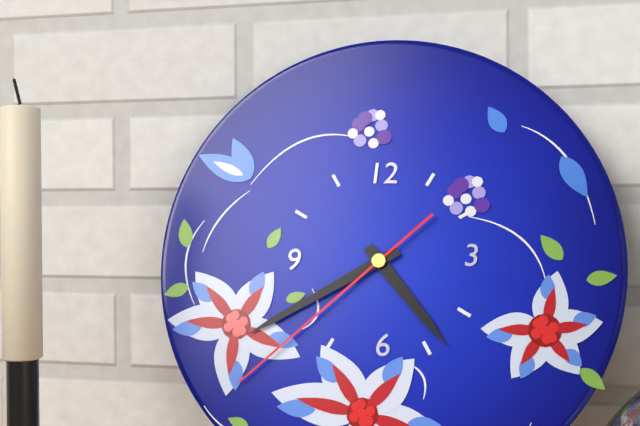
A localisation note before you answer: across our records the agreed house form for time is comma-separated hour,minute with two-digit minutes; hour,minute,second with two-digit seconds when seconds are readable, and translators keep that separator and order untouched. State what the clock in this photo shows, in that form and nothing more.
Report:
4,40,38
